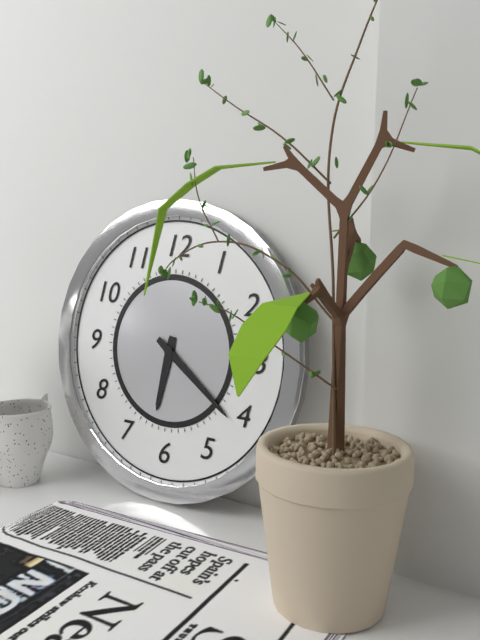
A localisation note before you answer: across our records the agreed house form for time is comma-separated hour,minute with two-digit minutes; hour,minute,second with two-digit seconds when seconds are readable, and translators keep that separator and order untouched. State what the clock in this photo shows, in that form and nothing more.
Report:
6,21
